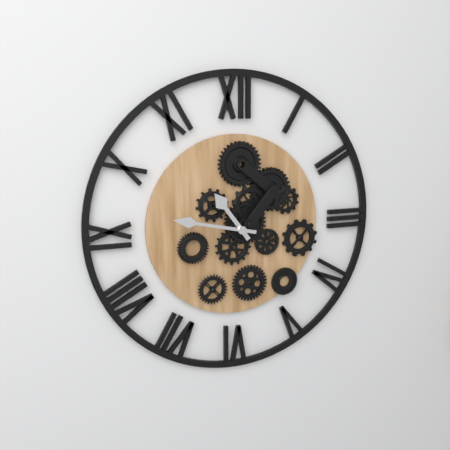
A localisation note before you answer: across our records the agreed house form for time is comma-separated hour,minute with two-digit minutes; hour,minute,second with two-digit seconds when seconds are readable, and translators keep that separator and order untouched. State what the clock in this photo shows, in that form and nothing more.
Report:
10,47
